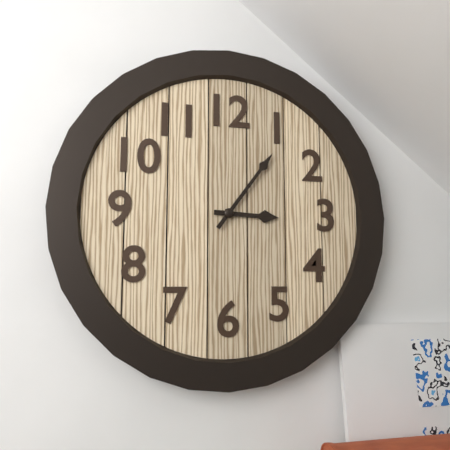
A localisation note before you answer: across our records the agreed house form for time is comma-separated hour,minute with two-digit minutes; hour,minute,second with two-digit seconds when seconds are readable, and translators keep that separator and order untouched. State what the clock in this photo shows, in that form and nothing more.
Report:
3,06
